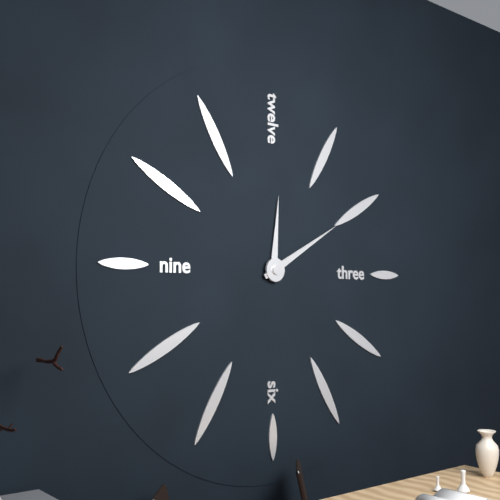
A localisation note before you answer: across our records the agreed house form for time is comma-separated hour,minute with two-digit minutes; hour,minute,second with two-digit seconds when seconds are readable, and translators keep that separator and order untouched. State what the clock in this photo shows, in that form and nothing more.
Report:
12,10
